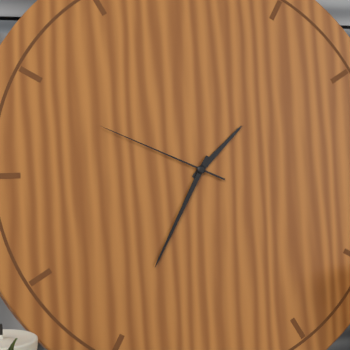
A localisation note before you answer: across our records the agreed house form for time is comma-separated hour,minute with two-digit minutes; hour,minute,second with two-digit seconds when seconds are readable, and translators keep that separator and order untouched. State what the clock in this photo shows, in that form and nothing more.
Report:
1,35,49
